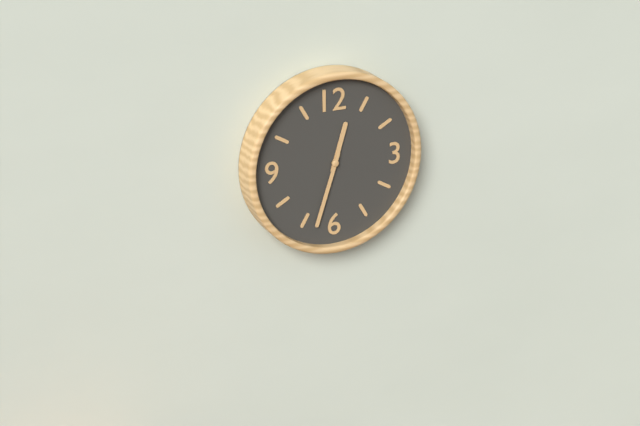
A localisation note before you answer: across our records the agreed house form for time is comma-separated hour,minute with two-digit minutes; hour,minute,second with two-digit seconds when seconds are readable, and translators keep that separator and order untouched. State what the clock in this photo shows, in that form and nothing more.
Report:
12,33
